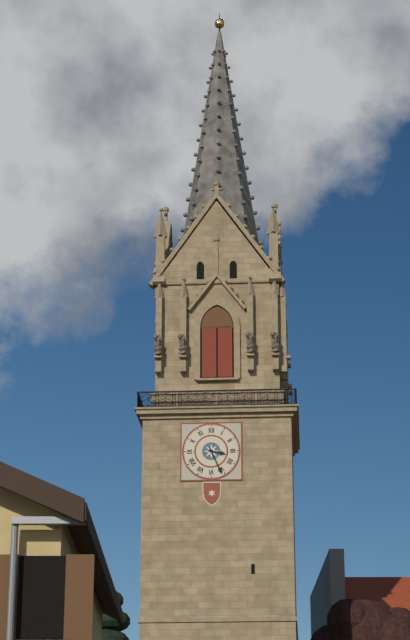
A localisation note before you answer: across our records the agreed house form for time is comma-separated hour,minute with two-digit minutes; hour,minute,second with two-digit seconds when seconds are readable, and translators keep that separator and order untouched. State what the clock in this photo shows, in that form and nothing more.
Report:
3,26
